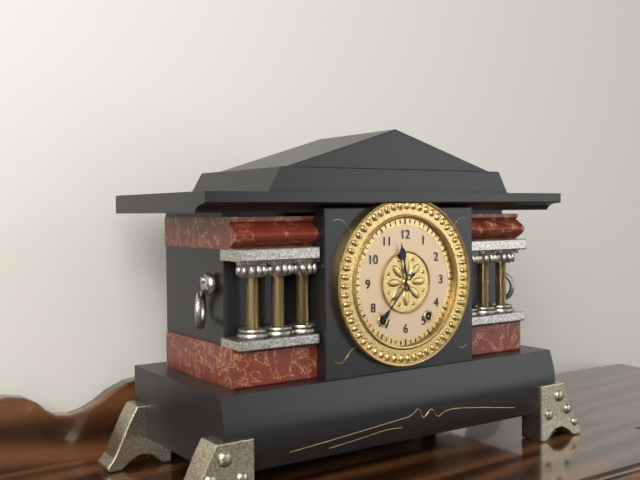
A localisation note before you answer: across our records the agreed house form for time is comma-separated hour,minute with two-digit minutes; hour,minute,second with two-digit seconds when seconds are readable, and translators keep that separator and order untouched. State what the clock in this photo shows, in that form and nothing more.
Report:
11,37
